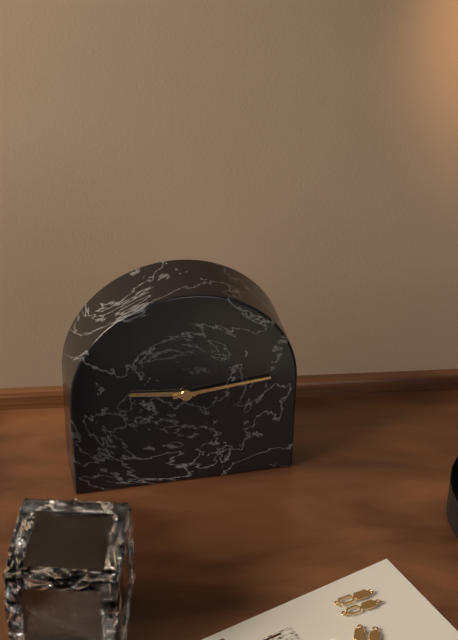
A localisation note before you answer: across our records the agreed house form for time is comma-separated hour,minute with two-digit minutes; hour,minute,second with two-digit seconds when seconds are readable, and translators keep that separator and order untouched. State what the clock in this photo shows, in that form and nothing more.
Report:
9,14
